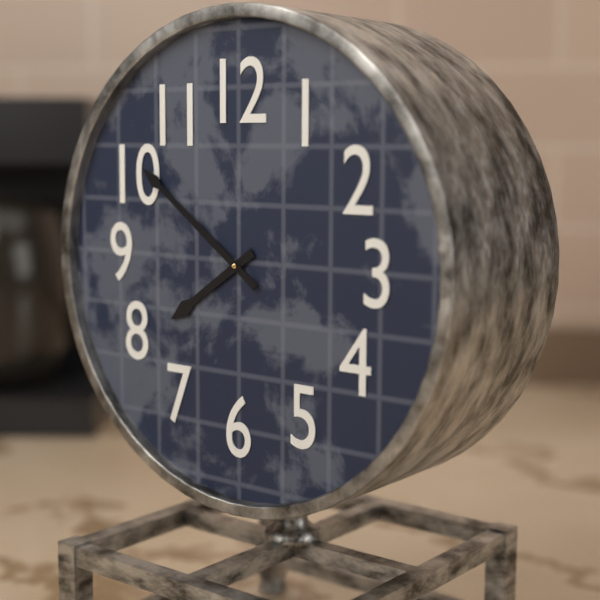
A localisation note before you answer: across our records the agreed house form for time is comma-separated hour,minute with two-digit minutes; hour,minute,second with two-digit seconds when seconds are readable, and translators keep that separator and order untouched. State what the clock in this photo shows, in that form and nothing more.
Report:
7,51
